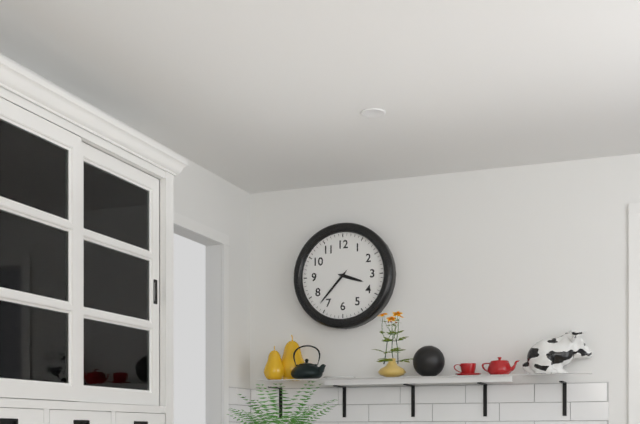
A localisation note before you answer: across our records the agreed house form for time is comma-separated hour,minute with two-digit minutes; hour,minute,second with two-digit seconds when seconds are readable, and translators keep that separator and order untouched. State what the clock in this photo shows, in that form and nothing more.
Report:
3,37
